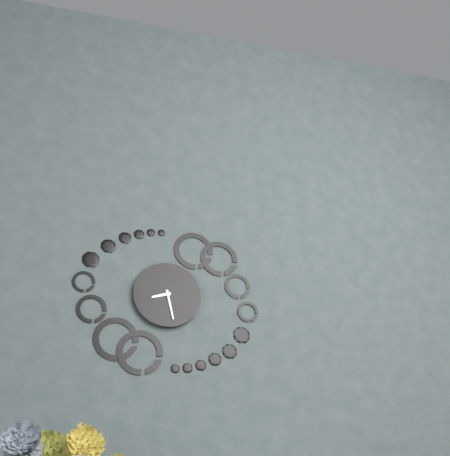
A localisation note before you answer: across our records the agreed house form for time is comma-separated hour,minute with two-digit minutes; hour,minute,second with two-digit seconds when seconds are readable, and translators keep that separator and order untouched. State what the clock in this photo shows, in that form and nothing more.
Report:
8,28
